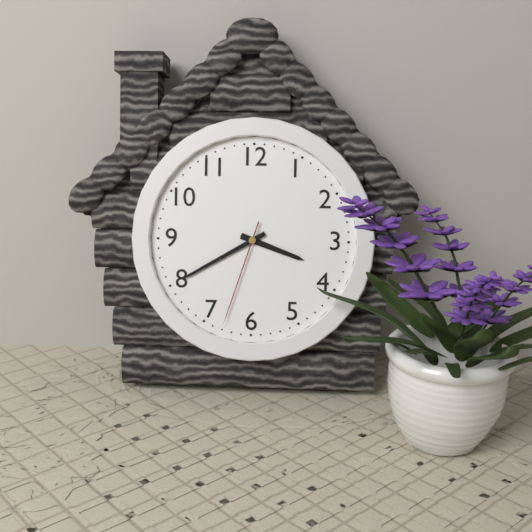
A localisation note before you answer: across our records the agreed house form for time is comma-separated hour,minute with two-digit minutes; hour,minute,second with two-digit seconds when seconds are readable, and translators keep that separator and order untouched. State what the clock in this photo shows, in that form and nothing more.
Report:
3,40,33
